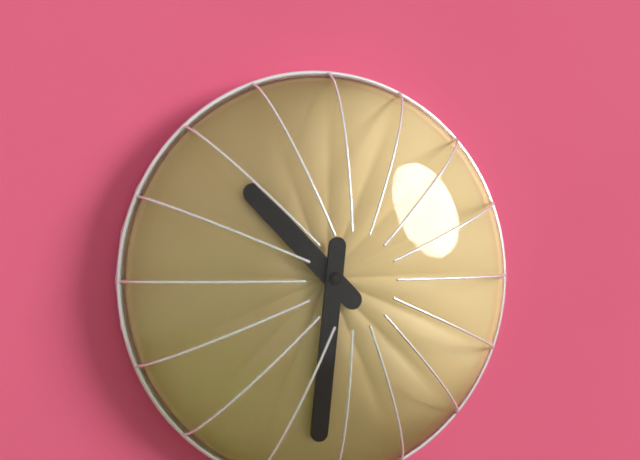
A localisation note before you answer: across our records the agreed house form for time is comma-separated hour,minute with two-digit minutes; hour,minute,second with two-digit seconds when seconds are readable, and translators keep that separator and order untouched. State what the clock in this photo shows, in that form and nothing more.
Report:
10,31
